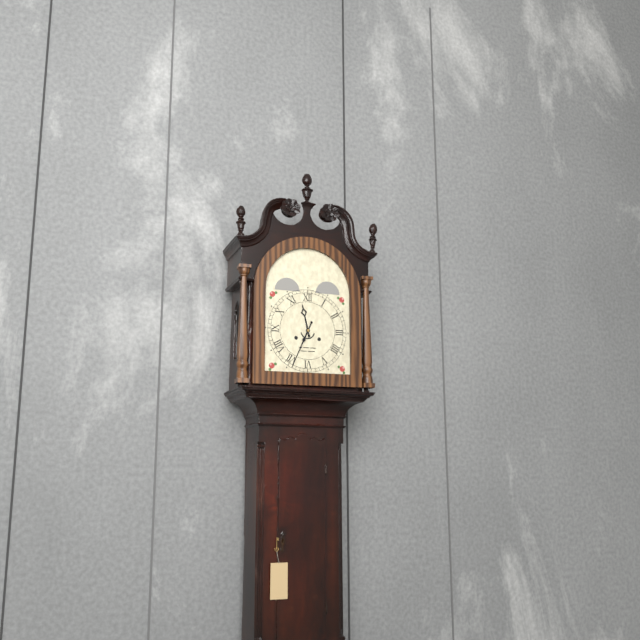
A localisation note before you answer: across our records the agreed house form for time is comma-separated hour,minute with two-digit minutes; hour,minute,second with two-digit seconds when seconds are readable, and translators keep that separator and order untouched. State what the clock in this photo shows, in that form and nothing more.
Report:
11,34
